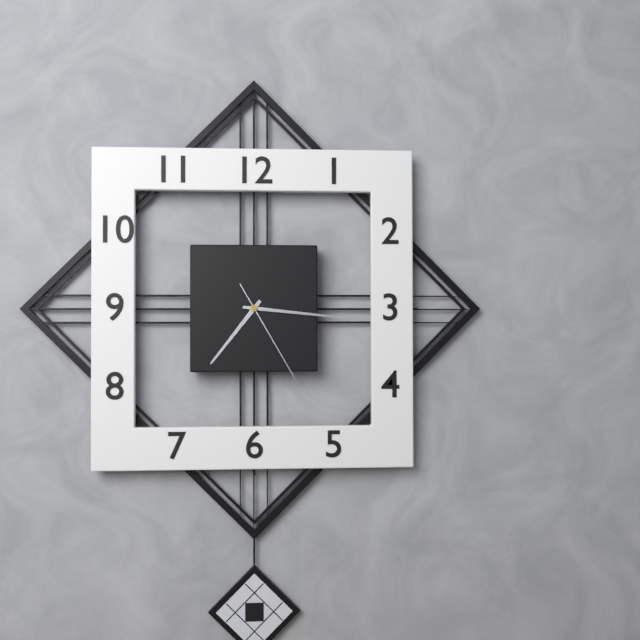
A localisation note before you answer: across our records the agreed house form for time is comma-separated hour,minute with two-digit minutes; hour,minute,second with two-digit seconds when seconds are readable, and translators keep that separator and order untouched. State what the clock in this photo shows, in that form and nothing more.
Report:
7,16,25
